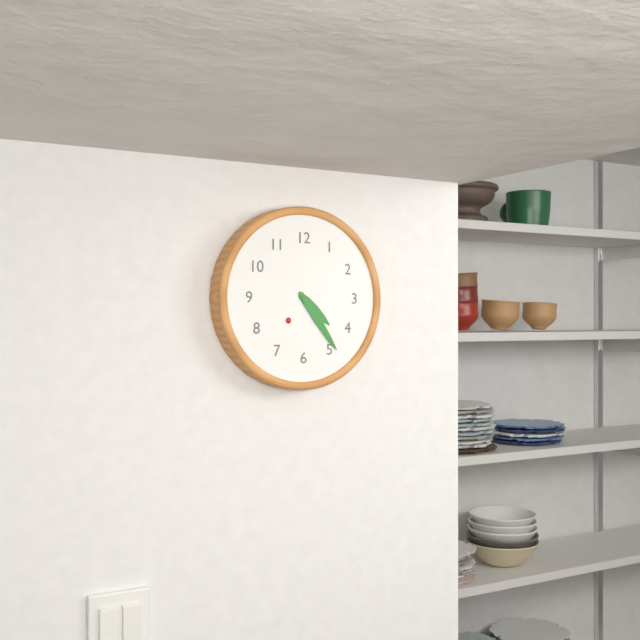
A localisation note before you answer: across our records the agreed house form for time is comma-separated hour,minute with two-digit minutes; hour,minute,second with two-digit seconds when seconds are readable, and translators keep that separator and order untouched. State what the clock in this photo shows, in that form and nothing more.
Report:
4,24
